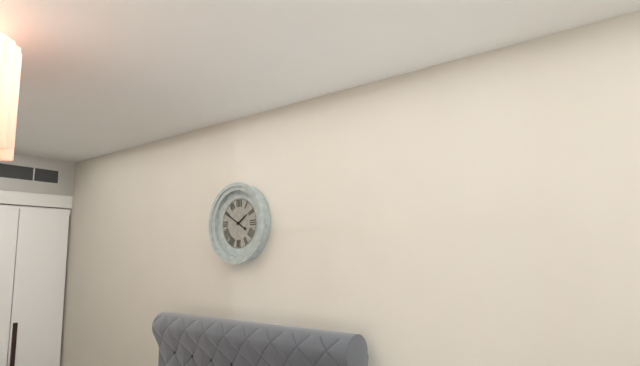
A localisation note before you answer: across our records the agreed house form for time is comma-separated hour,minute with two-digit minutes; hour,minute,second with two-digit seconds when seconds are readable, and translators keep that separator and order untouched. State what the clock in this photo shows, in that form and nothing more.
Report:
1,50
